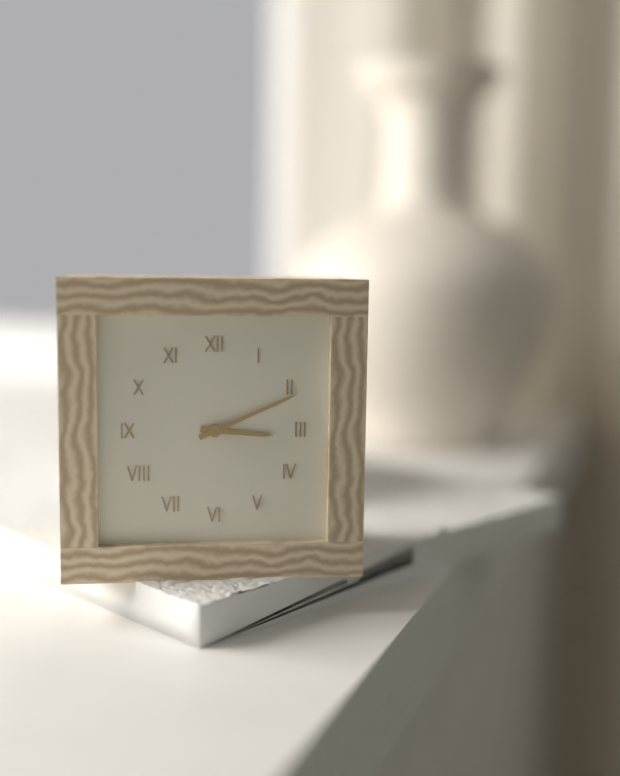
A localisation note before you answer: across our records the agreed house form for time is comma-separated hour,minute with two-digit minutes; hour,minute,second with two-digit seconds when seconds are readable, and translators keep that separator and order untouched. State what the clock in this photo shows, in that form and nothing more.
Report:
3,11
